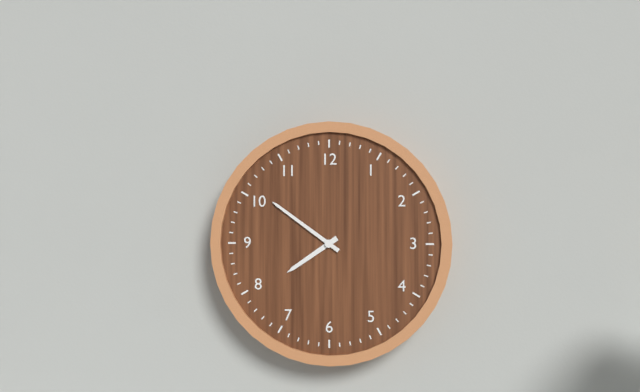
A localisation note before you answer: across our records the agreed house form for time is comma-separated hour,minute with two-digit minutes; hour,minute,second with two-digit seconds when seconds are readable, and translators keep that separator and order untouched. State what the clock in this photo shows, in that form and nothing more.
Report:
7,51
